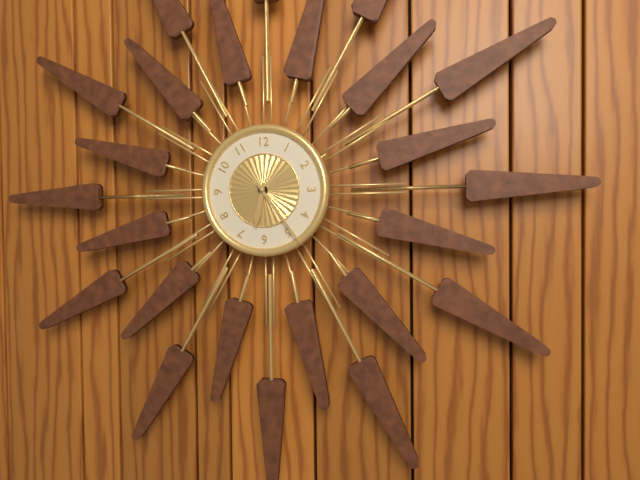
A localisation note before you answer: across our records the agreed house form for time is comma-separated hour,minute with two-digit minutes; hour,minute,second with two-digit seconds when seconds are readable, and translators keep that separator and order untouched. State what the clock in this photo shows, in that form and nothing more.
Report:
6,24
